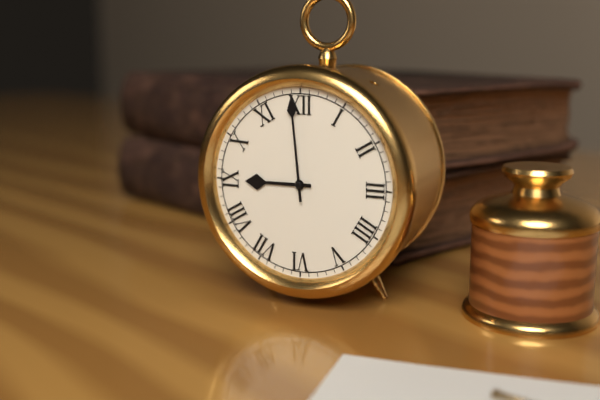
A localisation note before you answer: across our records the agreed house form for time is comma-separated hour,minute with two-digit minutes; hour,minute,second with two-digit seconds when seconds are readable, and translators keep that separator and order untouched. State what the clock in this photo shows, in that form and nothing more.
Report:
8,59
